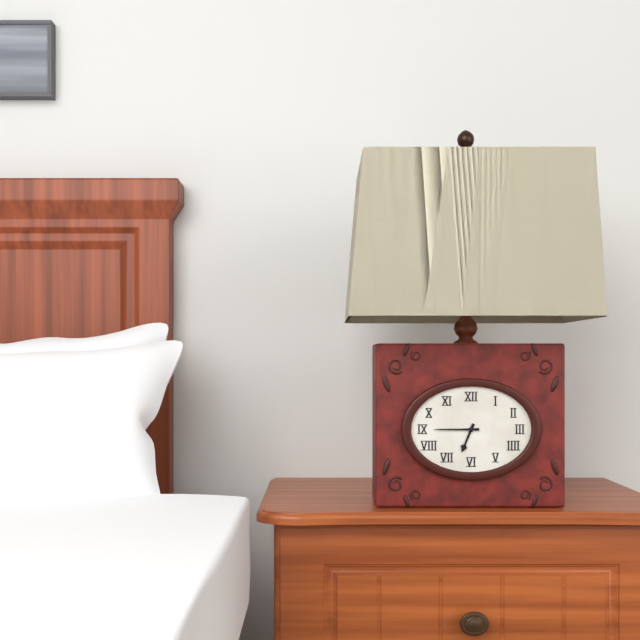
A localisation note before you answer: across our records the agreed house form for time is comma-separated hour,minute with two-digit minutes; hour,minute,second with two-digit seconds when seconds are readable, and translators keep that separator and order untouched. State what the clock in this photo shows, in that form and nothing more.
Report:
6,45
